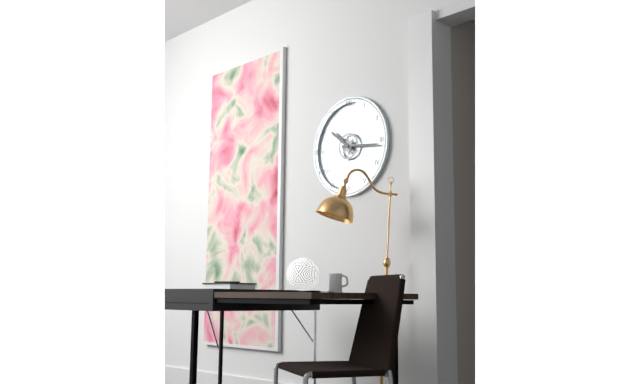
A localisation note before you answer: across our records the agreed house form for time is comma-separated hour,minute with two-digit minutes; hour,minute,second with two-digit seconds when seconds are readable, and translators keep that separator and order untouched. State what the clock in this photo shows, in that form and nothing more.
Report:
10,16
